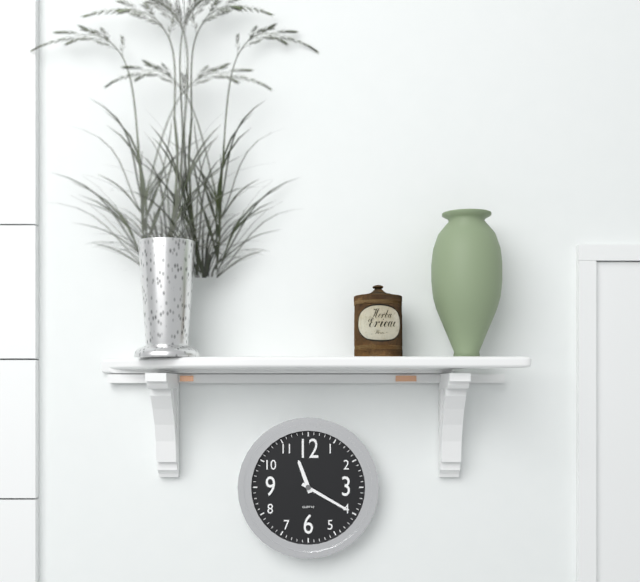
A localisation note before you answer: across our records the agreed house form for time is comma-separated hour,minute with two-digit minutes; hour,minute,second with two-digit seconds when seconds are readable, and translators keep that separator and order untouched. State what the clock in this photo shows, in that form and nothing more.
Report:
11,20
